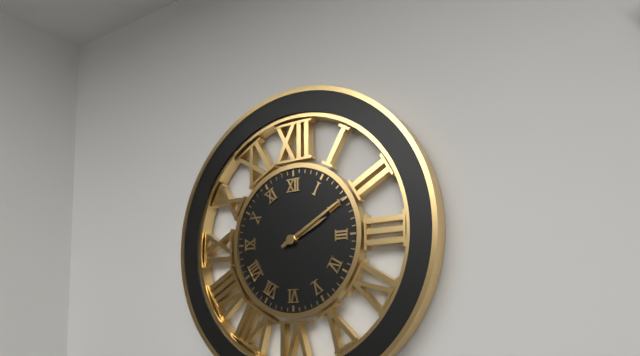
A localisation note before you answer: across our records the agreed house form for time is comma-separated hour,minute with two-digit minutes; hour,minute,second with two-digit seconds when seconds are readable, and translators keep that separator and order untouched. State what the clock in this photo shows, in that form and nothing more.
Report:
2,10
